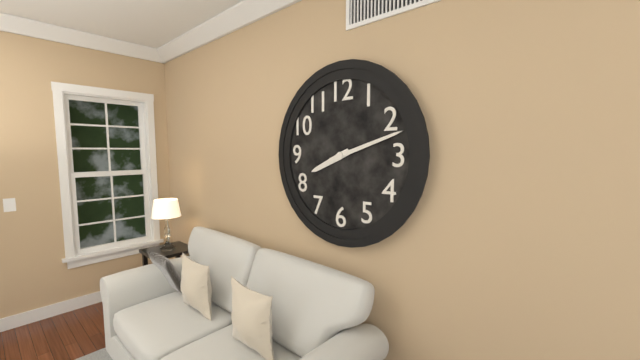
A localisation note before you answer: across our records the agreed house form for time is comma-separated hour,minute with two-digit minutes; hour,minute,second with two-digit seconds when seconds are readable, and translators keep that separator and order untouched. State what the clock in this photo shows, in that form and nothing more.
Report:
8,12
